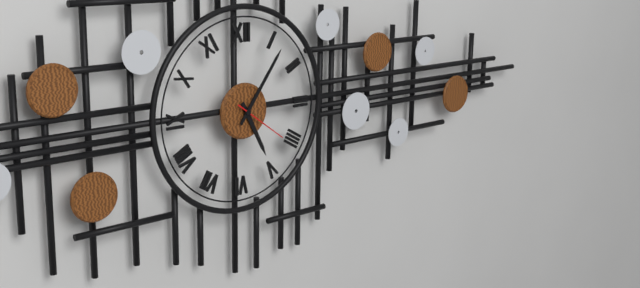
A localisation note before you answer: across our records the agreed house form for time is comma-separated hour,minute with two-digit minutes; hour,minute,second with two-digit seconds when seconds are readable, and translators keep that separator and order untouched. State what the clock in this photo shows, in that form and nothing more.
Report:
5,06,21
